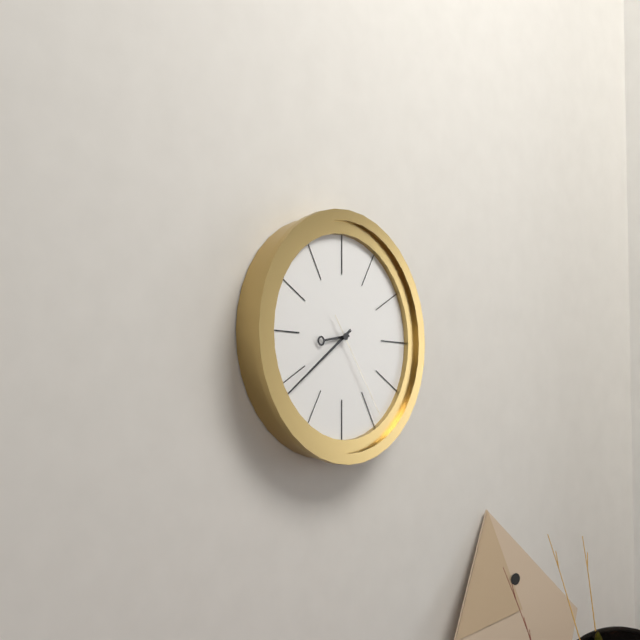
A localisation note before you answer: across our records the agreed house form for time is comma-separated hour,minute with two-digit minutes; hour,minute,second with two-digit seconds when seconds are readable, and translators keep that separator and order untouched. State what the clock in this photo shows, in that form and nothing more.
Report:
8,39,24
